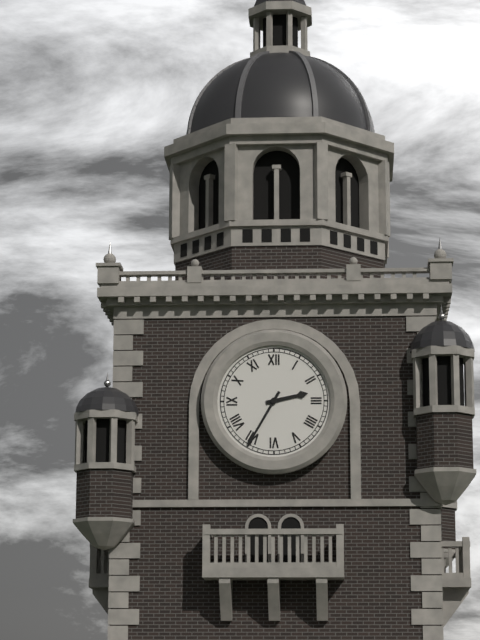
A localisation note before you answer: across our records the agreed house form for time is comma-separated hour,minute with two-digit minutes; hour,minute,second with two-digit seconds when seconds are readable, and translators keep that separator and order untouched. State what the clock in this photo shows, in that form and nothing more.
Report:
2,35
